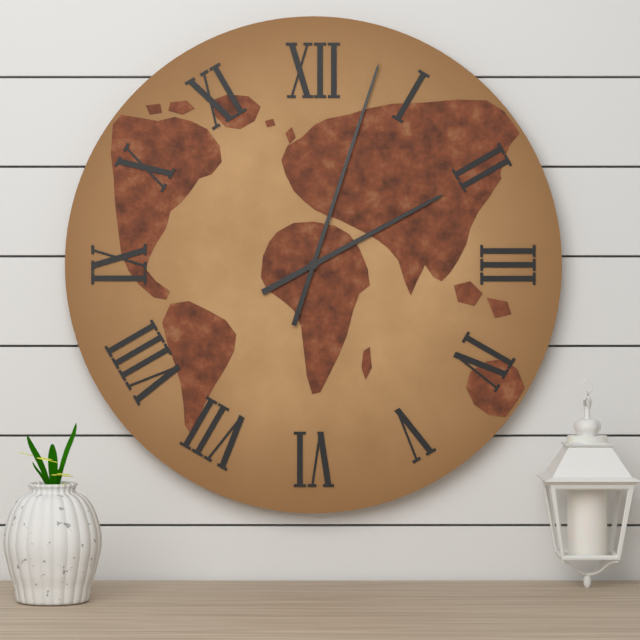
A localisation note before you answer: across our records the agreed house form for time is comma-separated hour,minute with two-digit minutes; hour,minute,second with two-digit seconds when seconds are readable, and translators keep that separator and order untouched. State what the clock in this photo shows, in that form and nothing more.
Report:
2,03
